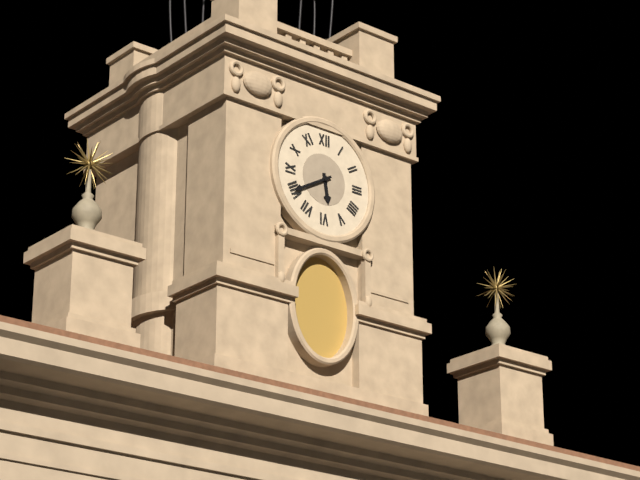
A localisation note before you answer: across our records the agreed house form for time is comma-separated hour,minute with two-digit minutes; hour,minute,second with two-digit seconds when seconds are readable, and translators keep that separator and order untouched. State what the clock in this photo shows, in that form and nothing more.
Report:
5,40
